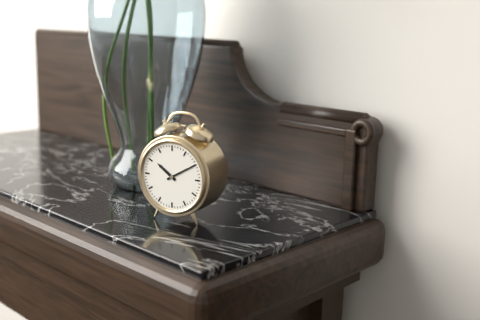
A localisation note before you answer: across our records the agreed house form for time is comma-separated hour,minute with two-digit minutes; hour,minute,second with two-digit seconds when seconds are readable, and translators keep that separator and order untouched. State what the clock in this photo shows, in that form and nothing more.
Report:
10,10
